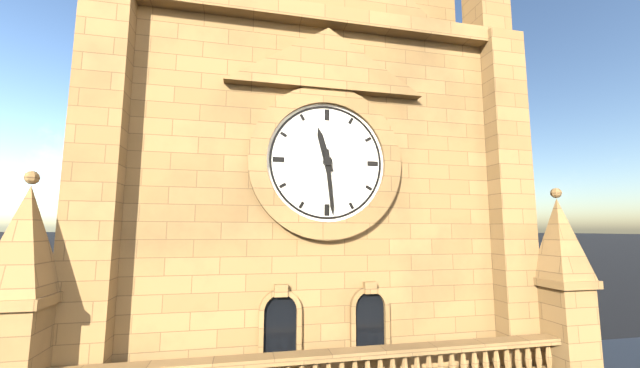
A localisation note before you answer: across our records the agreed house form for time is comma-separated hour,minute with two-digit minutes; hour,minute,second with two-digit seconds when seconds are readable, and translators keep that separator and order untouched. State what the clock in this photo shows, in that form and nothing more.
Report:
11,29
